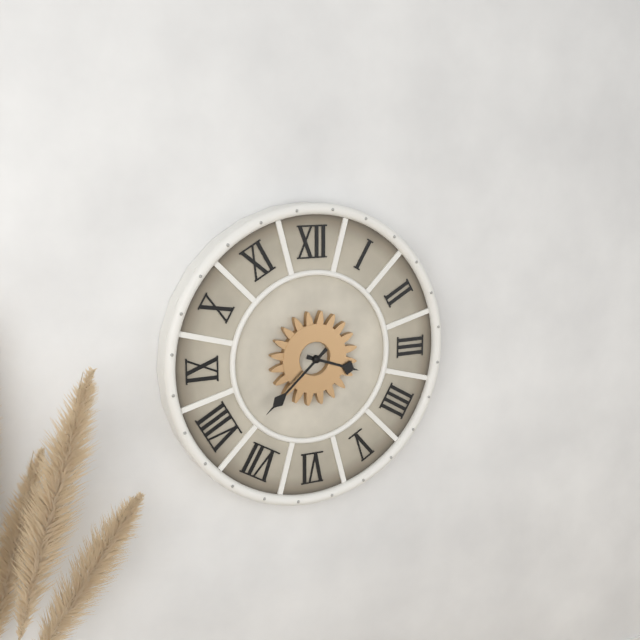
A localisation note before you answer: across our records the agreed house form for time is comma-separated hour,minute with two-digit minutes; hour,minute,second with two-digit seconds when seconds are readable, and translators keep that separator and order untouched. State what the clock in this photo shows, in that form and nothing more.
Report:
3,38
